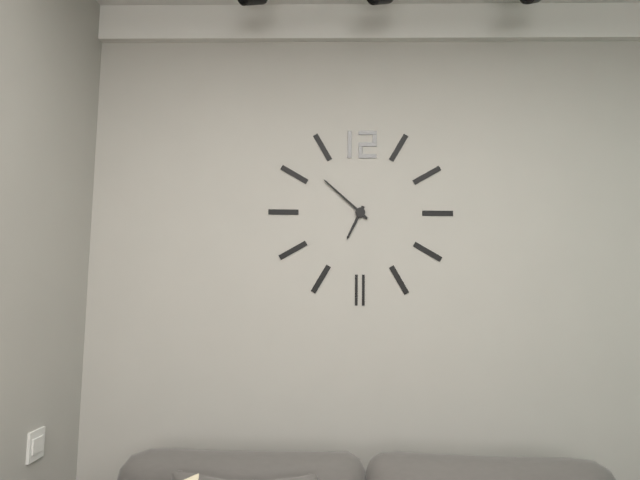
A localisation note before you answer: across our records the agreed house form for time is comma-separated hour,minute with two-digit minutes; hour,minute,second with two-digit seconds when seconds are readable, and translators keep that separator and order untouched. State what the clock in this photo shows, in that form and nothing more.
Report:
6,52
